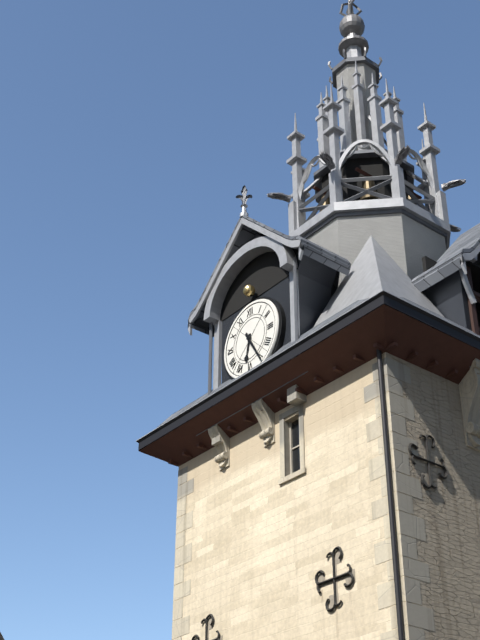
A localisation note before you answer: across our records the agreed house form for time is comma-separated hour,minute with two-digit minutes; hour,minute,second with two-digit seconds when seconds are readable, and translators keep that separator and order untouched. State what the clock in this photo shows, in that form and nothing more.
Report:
6,25
